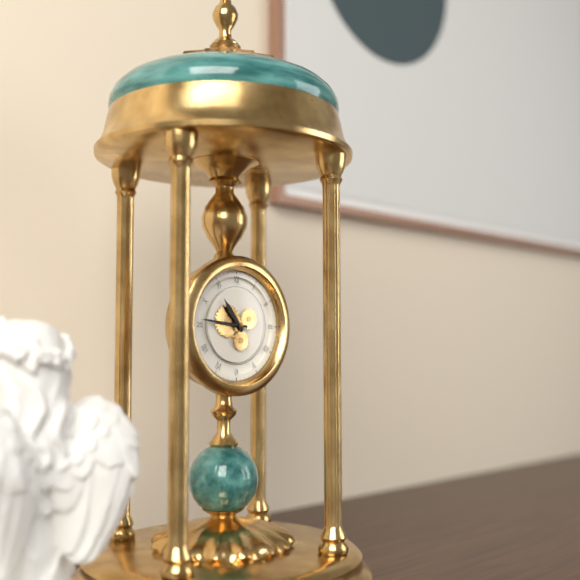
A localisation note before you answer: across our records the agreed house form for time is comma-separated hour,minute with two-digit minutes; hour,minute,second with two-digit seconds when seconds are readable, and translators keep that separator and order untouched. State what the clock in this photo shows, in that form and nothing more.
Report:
10,46
